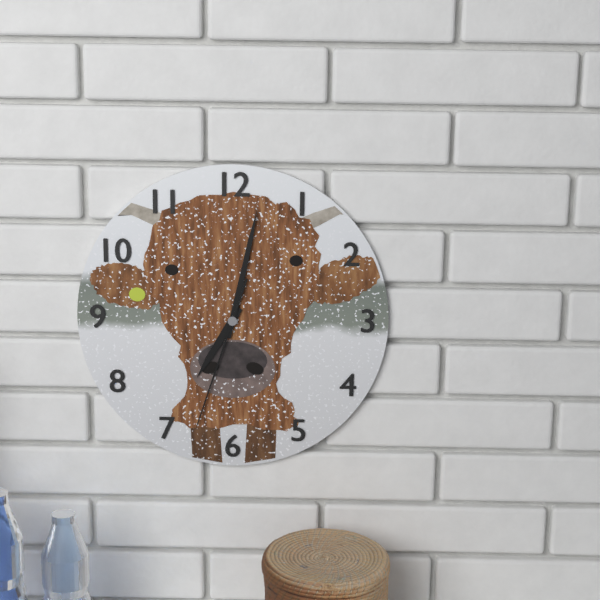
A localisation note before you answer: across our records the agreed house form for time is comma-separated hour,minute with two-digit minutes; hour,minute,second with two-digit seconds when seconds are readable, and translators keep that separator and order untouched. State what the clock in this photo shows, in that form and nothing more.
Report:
7,02,33
